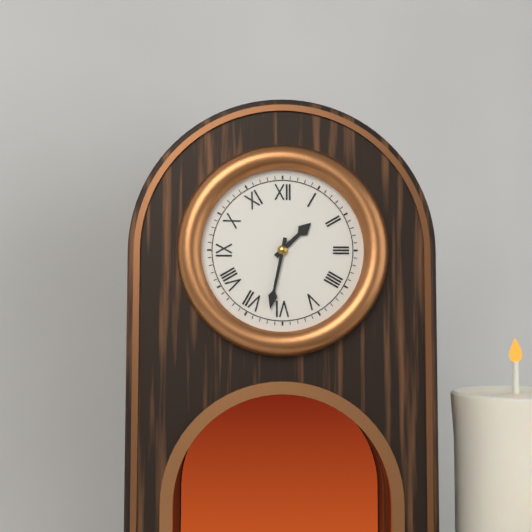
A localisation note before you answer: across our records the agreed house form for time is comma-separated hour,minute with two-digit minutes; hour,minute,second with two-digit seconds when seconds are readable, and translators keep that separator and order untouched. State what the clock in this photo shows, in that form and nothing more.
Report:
1,32
